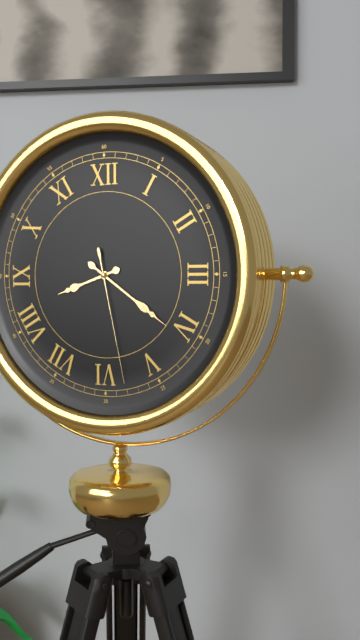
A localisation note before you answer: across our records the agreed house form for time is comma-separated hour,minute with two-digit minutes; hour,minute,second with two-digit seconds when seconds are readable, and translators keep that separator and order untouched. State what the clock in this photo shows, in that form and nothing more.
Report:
8,21,28
